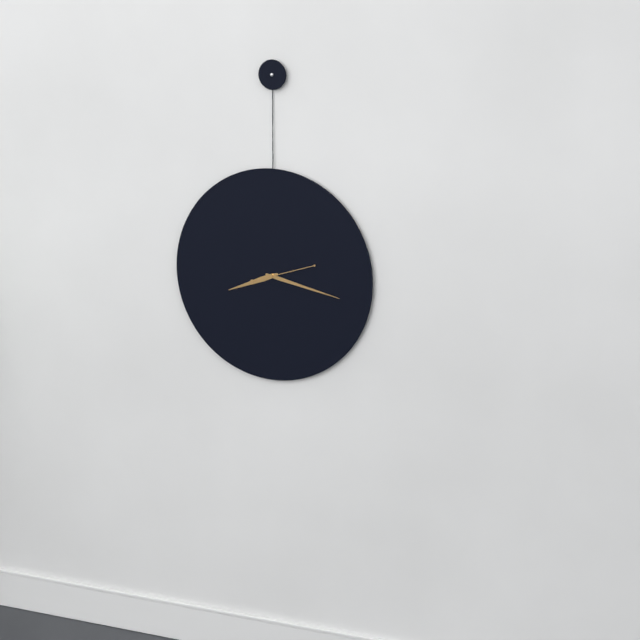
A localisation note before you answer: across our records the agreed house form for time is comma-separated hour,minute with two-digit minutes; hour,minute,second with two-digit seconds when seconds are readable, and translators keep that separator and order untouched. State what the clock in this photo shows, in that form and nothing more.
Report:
8,17,12
